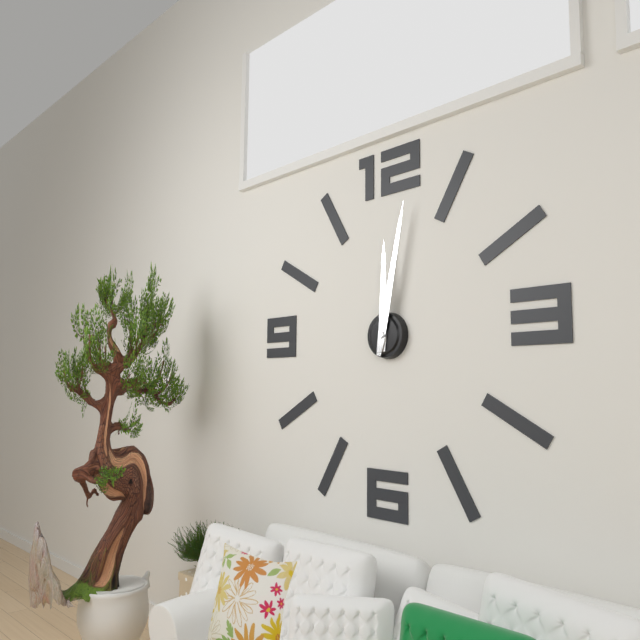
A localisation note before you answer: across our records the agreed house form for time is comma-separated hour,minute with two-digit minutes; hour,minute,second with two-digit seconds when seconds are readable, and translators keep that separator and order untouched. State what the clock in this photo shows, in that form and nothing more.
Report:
12,02
